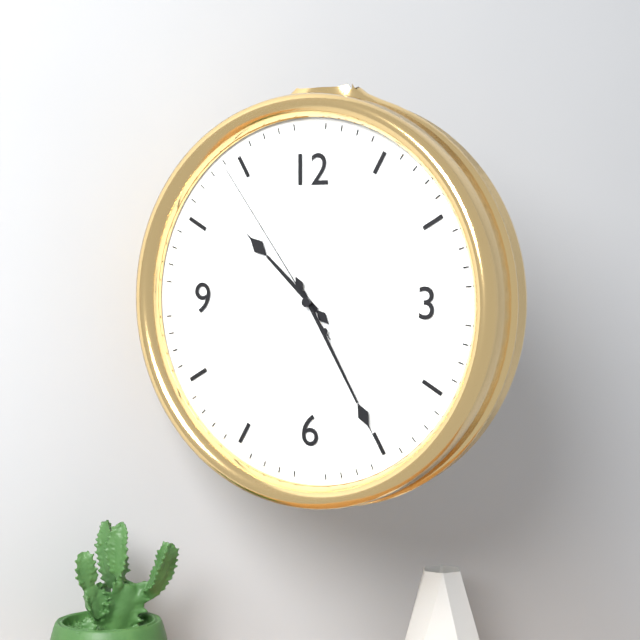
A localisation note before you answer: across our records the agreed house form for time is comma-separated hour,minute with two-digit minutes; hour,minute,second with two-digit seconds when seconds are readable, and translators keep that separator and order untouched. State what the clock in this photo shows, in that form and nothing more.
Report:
10,25,54
